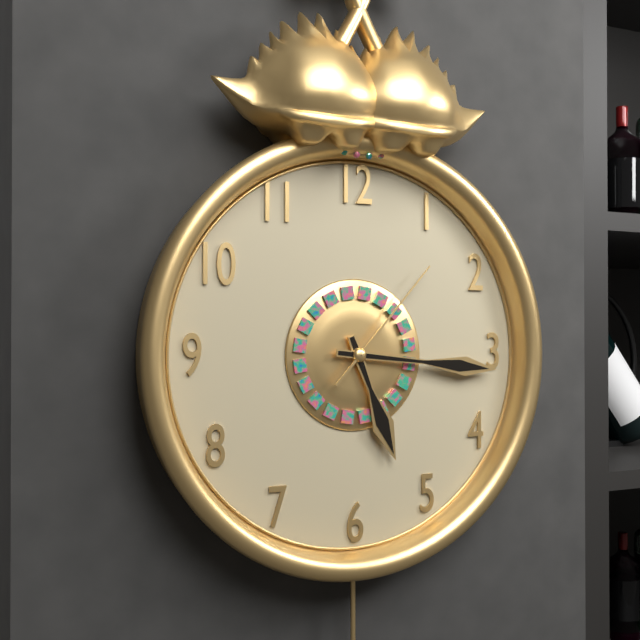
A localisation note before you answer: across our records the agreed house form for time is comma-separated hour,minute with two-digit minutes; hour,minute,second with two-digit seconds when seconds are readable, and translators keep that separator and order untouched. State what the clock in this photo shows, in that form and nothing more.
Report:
5,16,07
